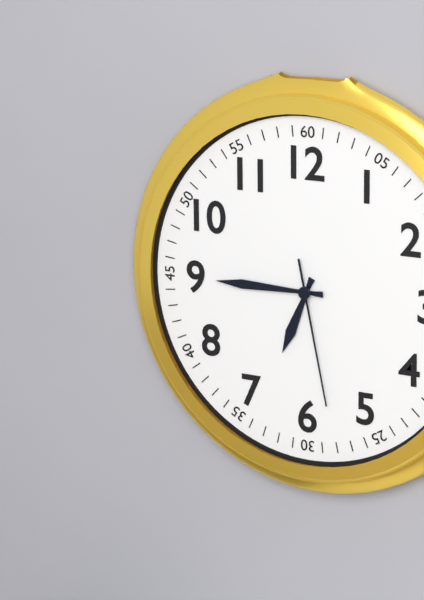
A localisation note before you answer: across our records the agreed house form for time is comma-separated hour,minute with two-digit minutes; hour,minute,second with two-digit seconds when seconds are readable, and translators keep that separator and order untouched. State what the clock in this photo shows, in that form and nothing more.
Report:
6,45,28
